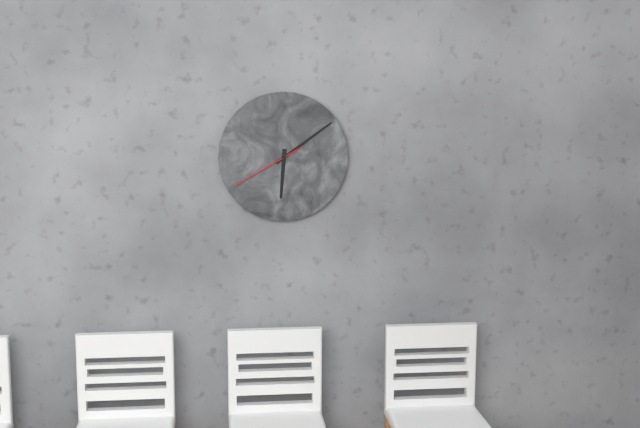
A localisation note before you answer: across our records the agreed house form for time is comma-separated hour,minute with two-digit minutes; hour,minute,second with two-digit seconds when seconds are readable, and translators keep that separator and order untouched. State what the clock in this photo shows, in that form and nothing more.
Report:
6,09,40
